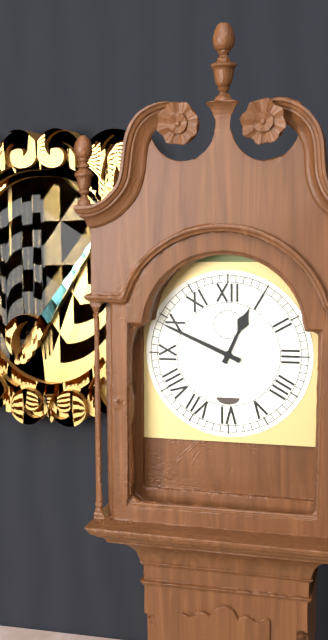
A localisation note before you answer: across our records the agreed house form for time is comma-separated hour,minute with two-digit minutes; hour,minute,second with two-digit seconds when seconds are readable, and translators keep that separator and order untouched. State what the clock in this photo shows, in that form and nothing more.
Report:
12,49
